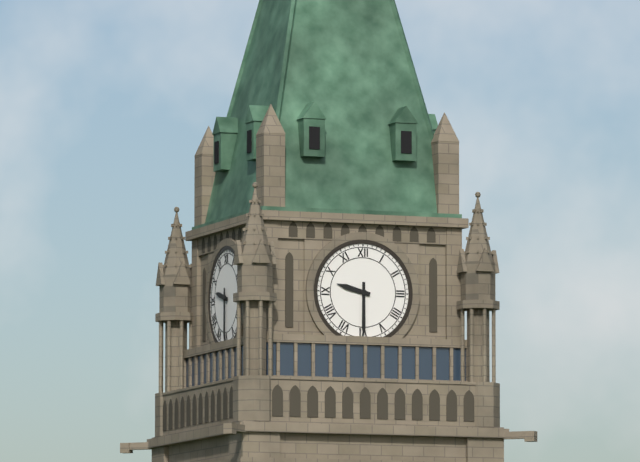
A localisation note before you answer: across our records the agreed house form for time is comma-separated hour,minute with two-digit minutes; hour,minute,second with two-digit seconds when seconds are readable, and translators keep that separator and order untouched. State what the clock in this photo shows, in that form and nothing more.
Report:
9,30
